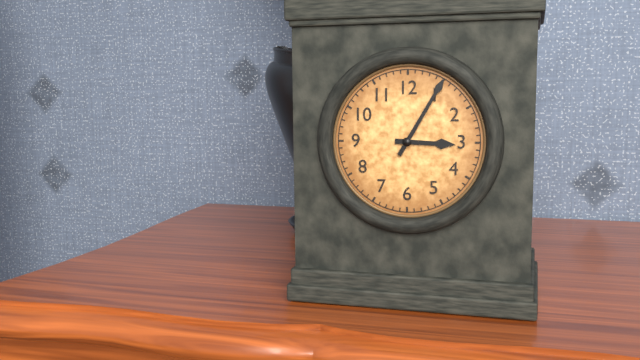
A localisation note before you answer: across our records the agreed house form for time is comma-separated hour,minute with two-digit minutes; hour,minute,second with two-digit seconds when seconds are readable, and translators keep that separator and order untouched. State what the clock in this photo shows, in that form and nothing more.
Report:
3,05
